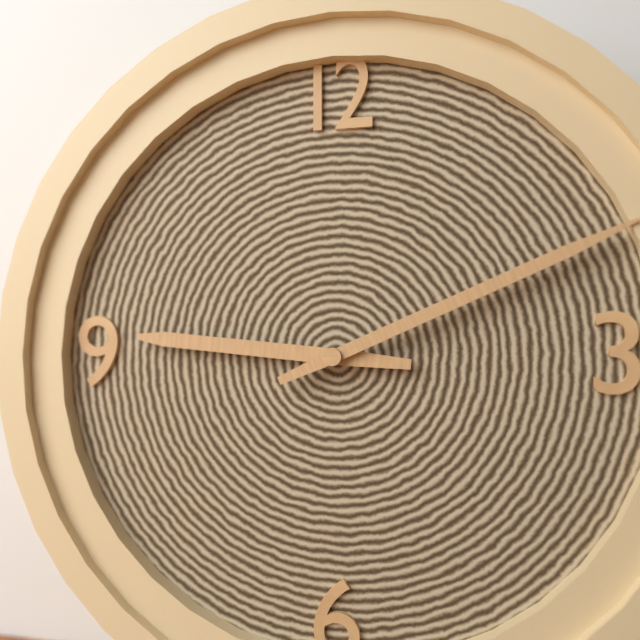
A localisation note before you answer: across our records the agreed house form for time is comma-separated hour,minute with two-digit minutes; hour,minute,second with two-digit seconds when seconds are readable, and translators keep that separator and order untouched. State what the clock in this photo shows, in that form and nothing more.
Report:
9,11
